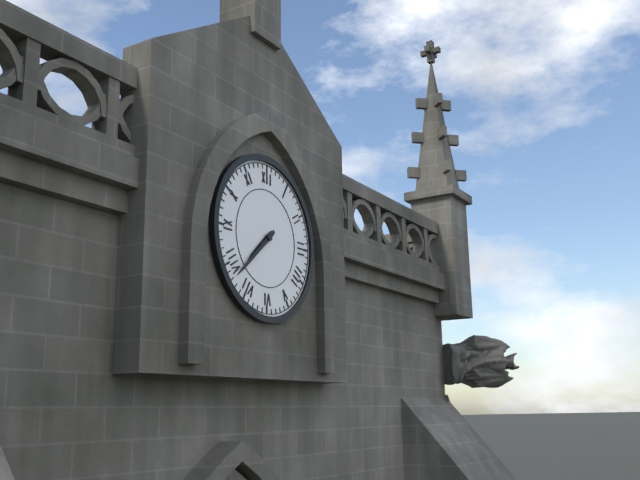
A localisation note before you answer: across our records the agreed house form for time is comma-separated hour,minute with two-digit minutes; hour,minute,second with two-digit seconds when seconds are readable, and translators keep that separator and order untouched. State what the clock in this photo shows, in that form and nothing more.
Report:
7,38
